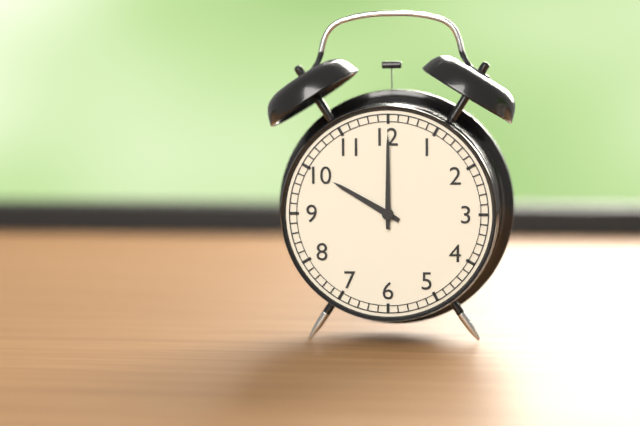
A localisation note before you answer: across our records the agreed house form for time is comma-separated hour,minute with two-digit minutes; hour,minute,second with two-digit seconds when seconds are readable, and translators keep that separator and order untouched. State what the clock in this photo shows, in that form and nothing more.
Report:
10,00
